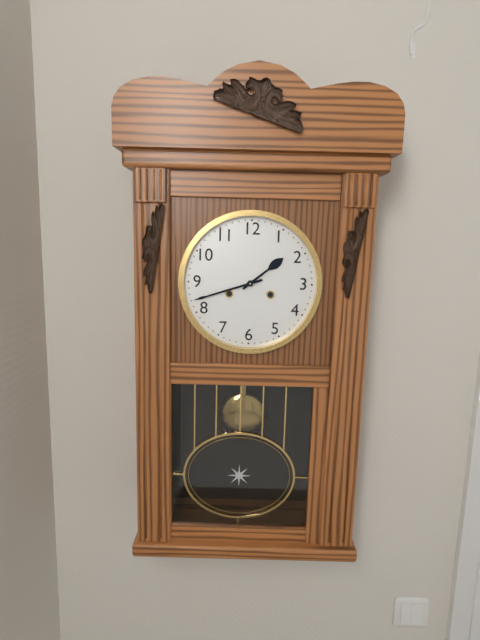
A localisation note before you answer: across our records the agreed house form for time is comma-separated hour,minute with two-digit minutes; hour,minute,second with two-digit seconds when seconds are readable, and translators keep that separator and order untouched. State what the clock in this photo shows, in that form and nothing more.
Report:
1,42
